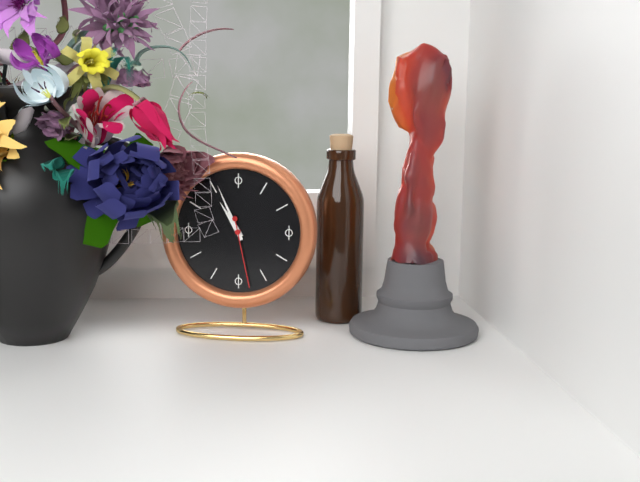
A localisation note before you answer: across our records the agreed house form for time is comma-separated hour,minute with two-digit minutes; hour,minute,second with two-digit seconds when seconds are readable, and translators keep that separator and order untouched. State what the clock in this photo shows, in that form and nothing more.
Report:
10,56,28
